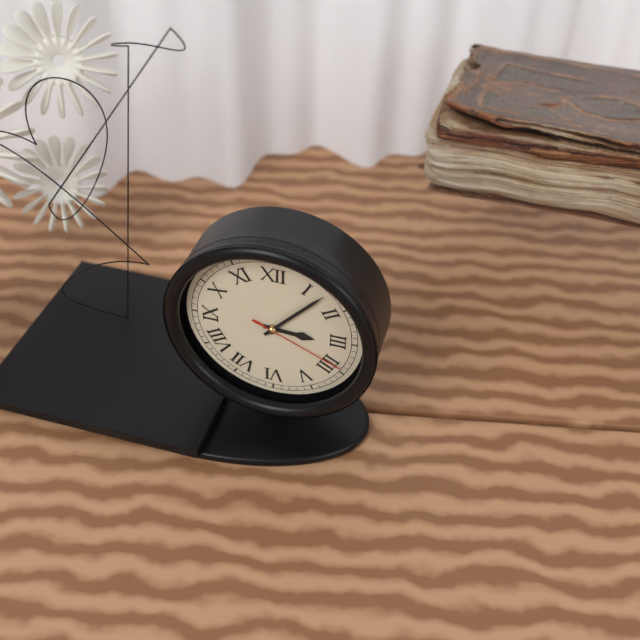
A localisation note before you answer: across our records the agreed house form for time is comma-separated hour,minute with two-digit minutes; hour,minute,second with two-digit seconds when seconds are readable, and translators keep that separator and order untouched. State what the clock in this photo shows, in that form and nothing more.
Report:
3,07,19
